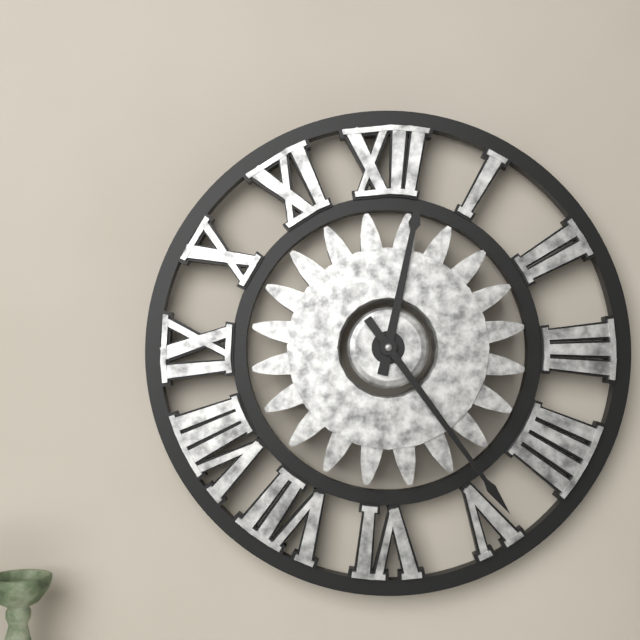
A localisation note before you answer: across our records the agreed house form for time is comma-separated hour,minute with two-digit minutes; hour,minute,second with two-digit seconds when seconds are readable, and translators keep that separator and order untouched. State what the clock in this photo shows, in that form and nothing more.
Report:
12,24
